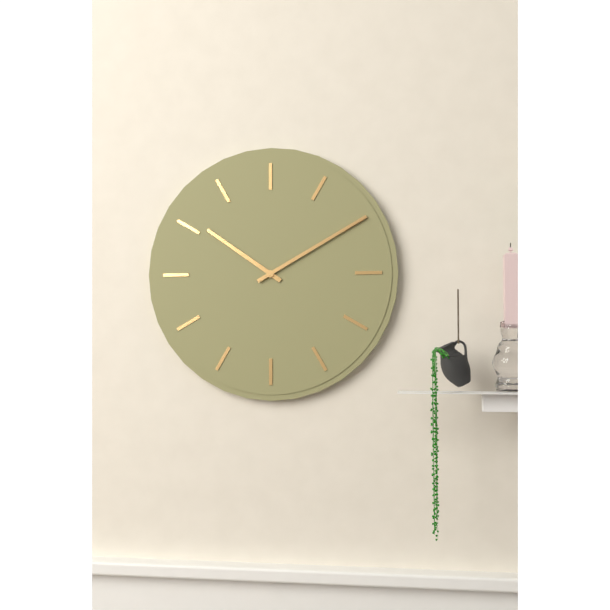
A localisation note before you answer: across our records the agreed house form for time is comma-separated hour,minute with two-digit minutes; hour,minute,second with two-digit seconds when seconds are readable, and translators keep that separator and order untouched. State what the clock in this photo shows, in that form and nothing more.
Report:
10,10
